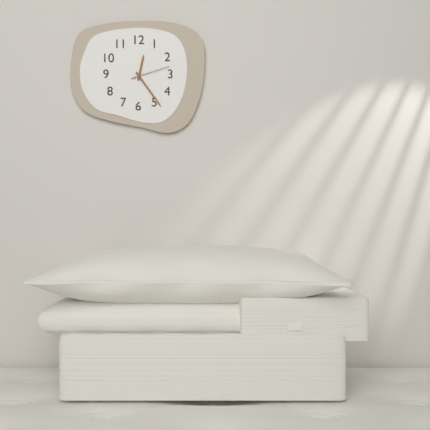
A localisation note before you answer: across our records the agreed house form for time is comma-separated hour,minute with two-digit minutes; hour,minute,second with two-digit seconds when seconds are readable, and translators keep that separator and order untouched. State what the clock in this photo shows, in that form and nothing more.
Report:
12,24
